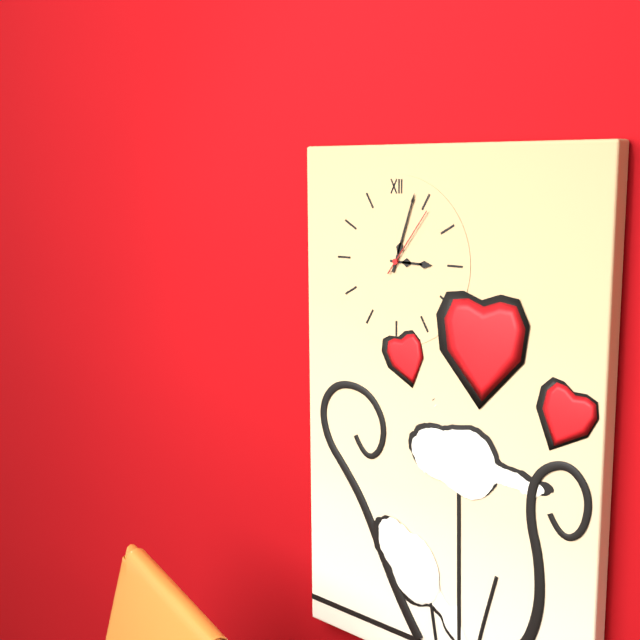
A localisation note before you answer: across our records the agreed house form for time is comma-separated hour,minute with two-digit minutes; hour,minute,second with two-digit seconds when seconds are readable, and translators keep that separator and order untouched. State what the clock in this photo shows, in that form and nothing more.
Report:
3,03,06
